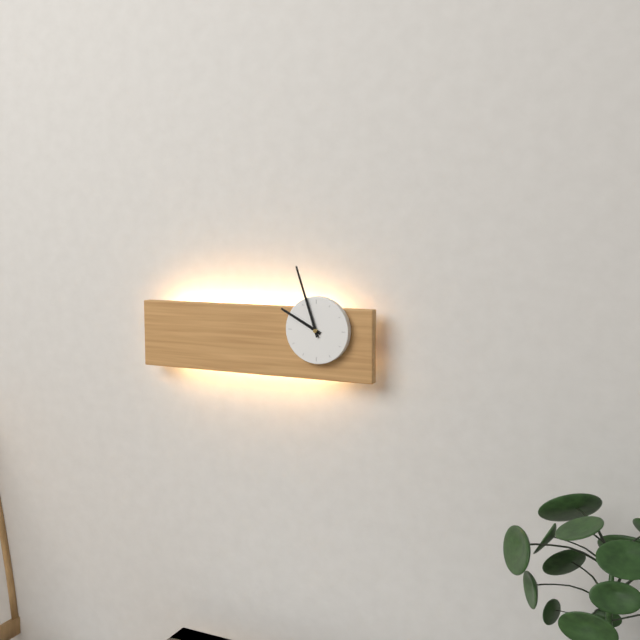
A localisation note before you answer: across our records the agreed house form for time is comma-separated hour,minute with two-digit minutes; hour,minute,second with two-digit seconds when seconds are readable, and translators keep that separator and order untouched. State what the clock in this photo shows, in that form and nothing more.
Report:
9,57
